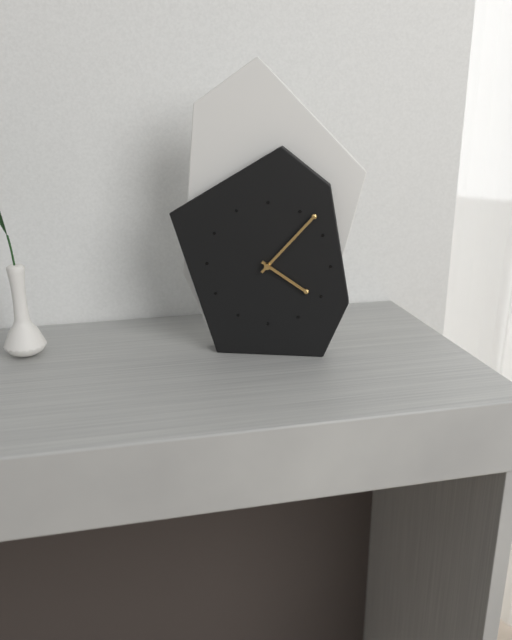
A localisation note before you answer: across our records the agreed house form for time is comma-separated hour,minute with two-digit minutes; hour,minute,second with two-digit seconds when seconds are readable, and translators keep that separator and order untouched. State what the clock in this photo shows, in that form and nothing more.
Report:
4,07
